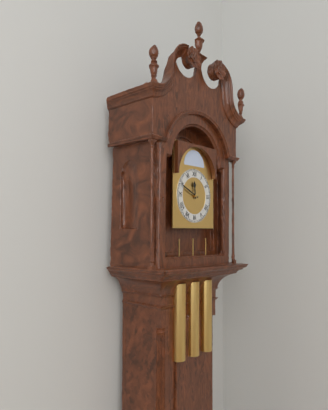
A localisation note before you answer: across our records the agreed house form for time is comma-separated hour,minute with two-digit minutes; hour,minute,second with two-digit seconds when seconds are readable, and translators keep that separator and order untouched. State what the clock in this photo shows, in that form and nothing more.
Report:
11,49
